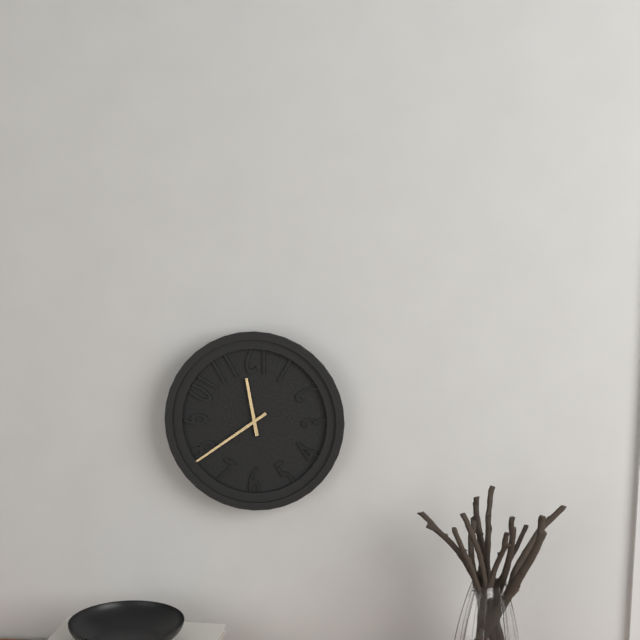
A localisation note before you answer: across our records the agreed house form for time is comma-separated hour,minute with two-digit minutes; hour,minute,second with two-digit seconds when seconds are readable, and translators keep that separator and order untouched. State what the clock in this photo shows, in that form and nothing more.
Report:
11,39
